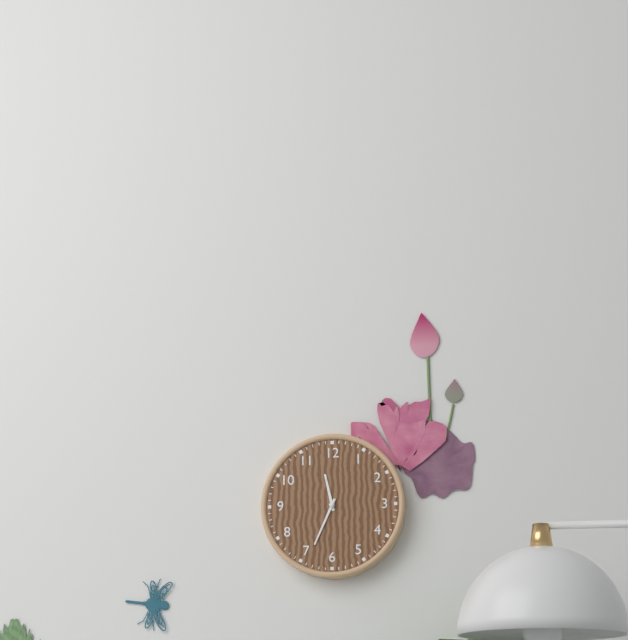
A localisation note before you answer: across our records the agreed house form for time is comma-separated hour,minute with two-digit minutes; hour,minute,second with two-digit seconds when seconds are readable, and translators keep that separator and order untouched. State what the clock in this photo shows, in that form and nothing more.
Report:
11,34
